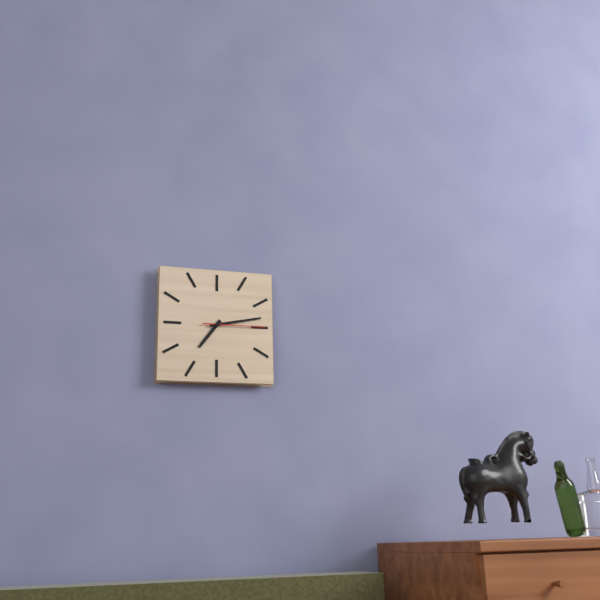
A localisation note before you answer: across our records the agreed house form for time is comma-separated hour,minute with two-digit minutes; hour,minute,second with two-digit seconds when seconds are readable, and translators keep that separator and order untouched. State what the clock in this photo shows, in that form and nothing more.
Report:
7,13,15
